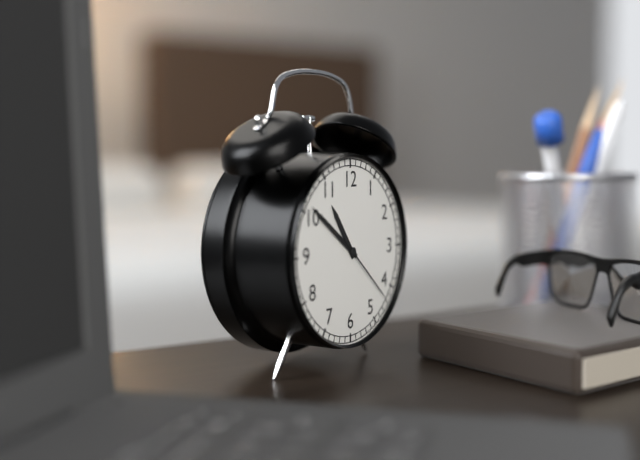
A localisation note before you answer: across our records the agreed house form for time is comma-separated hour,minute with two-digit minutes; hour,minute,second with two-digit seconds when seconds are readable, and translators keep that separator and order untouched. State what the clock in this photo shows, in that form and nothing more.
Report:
10,51,22
